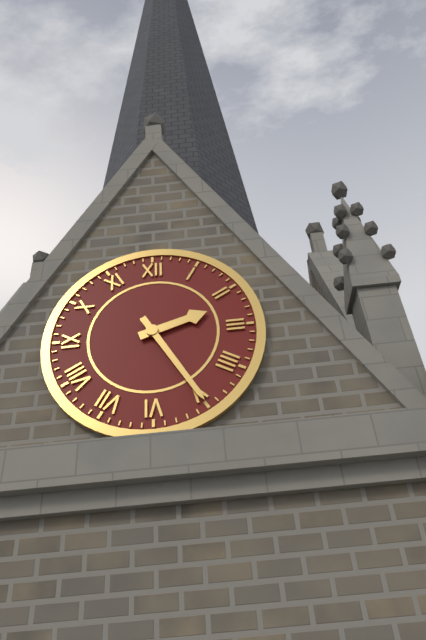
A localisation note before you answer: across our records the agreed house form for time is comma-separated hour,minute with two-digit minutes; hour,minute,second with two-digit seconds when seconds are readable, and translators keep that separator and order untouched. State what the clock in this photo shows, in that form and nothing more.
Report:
2,25
